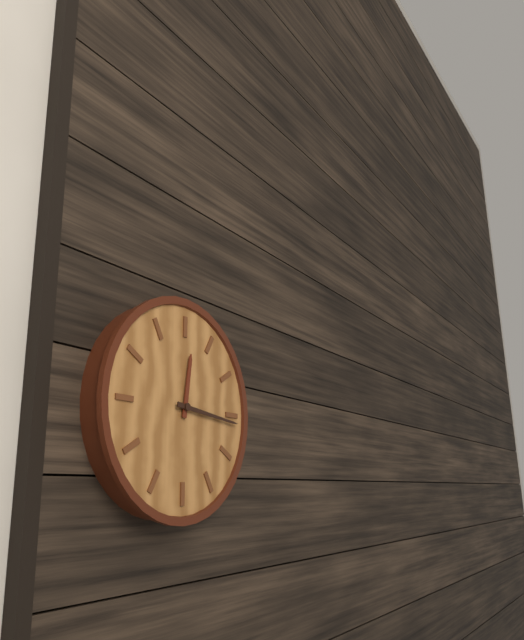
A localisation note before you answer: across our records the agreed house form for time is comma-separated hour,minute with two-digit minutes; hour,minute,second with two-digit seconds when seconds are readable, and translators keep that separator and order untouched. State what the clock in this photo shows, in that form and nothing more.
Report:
12,16
